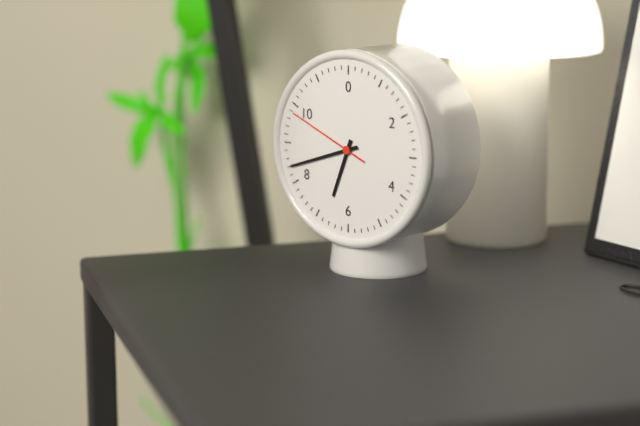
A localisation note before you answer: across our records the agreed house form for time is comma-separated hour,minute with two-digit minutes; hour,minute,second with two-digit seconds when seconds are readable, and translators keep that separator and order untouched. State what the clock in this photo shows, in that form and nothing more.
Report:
6,42,49
